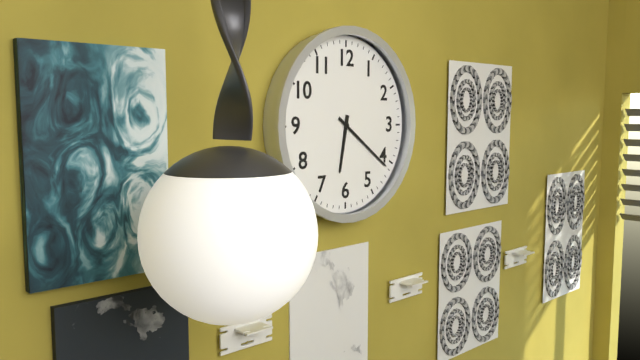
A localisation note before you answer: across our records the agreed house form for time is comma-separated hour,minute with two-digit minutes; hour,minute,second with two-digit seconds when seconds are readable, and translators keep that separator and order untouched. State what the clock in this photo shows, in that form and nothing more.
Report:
6,21
